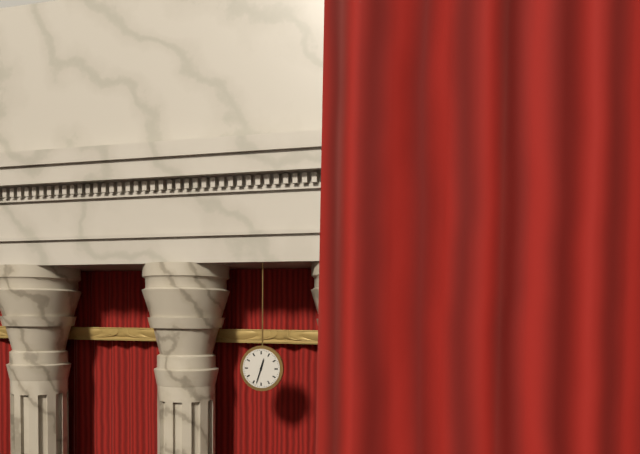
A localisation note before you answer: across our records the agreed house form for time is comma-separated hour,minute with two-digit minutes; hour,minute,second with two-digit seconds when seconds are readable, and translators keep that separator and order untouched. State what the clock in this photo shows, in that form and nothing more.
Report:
12,33
